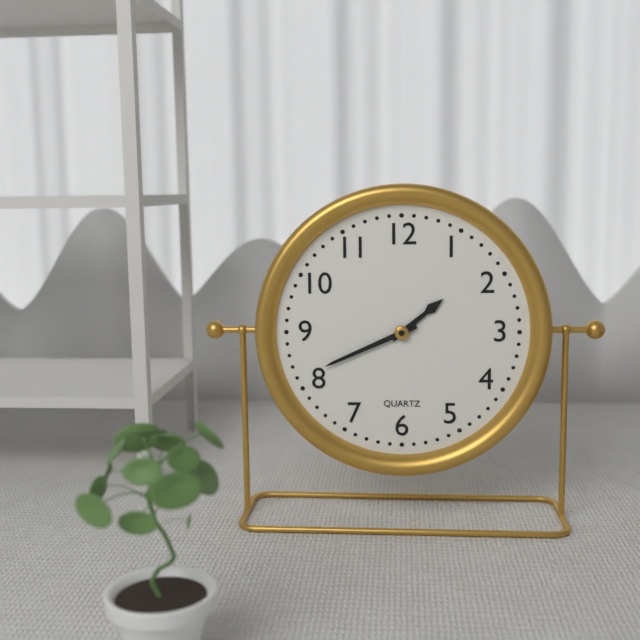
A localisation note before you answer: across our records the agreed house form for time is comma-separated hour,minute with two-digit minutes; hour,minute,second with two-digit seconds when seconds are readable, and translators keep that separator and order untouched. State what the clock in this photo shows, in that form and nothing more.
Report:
1,41
